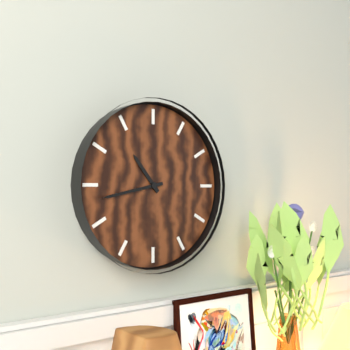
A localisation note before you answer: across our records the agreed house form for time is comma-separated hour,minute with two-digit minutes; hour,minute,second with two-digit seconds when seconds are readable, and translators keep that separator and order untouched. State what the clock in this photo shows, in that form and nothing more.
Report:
10,43
